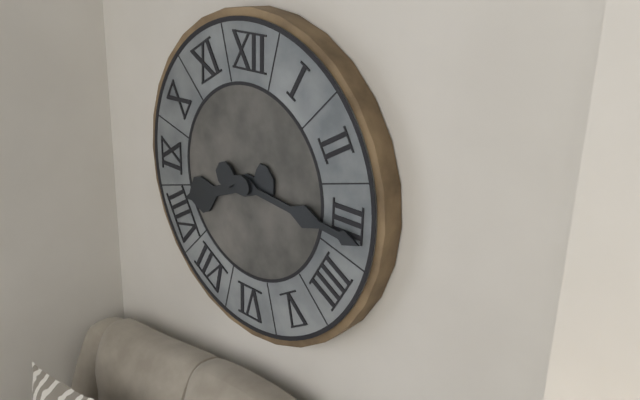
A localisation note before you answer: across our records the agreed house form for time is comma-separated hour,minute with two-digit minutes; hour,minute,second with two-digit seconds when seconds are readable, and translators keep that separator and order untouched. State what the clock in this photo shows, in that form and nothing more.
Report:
8,16
